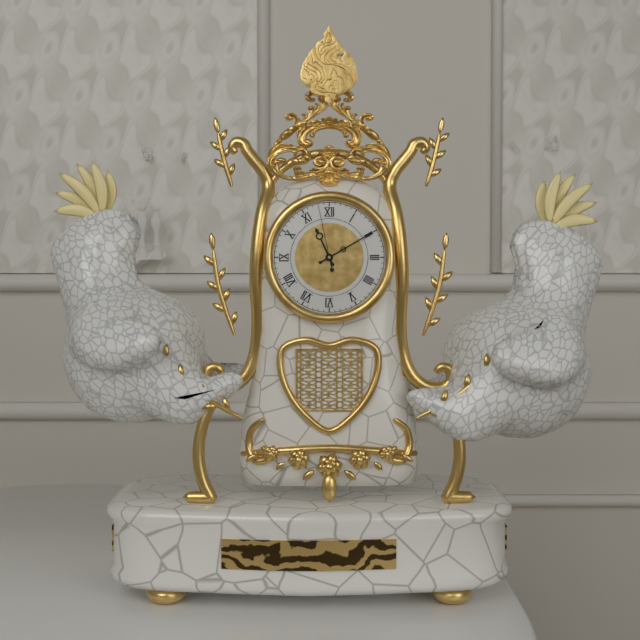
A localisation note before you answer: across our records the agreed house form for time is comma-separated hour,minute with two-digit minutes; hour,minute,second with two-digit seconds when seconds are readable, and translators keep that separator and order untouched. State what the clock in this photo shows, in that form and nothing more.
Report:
11,10,58
